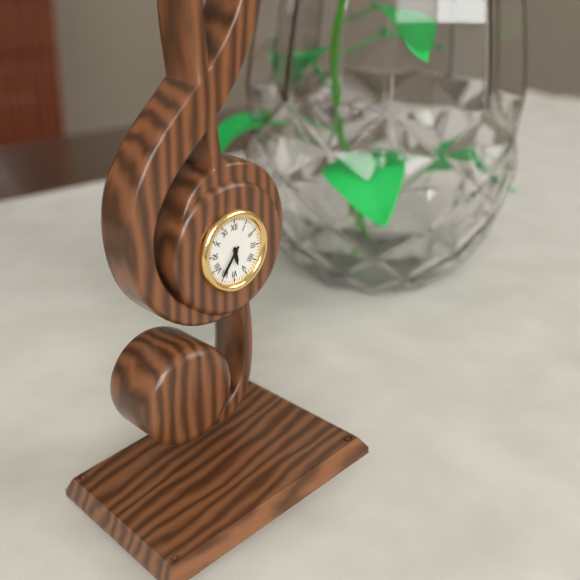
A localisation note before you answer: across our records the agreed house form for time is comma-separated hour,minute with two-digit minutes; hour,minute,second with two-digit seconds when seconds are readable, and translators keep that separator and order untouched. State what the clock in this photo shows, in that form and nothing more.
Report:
5,36
